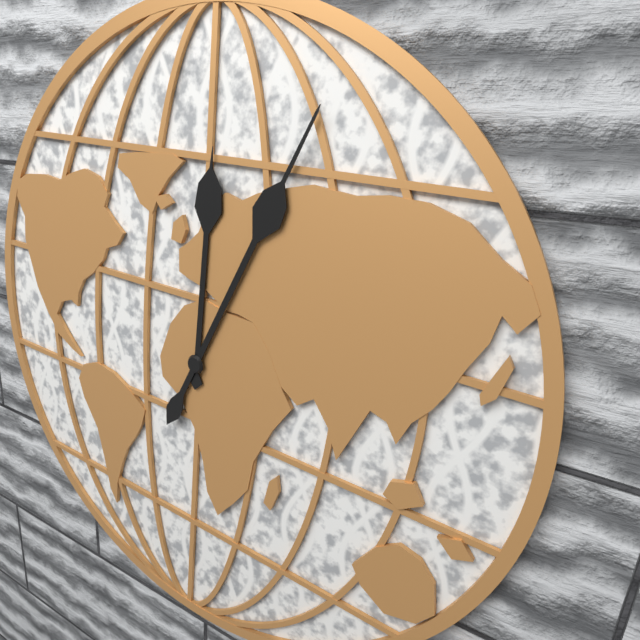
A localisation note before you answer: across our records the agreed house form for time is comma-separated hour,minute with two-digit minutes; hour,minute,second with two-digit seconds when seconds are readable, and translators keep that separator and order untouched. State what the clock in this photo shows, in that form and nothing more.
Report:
12,04
